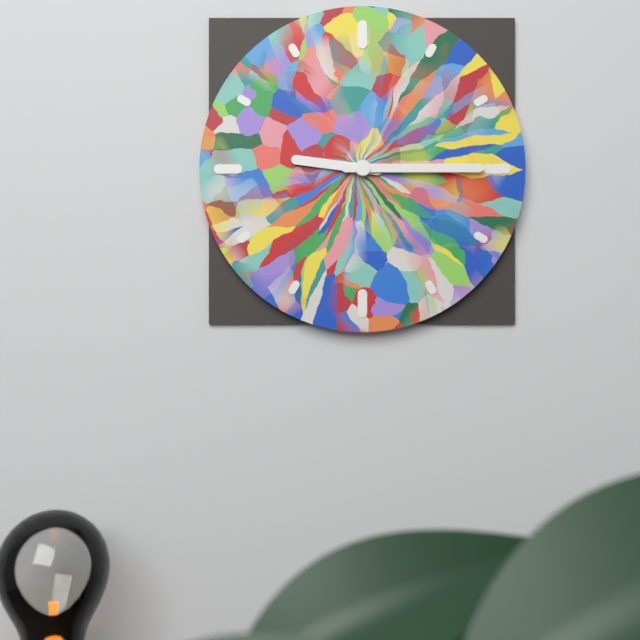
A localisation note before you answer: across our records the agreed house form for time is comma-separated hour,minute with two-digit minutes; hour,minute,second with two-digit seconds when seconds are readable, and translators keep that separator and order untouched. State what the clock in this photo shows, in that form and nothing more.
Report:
9,15
